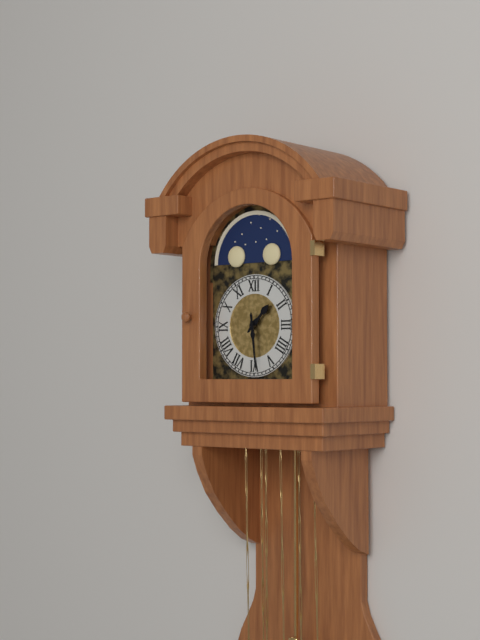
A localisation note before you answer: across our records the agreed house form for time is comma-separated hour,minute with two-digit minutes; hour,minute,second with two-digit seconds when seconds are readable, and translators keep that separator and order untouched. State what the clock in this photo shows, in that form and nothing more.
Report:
1,29
